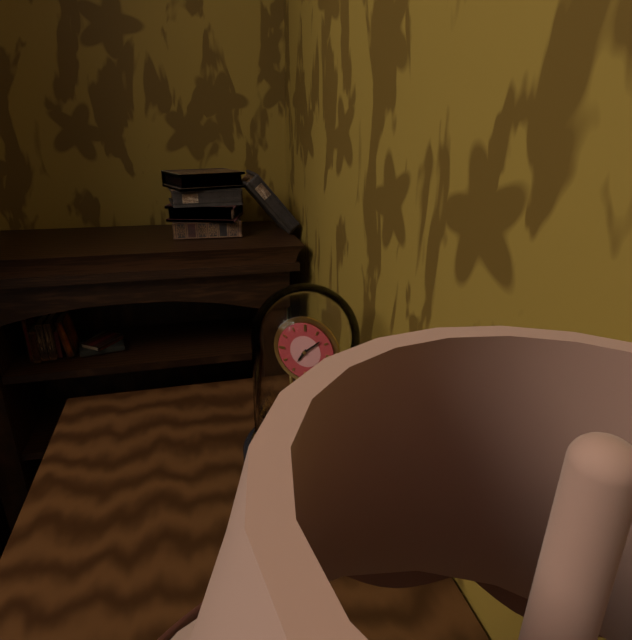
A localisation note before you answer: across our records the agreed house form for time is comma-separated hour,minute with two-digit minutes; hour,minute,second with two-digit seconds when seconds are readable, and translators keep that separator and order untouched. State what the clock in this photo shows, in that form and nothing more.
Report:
7,08
